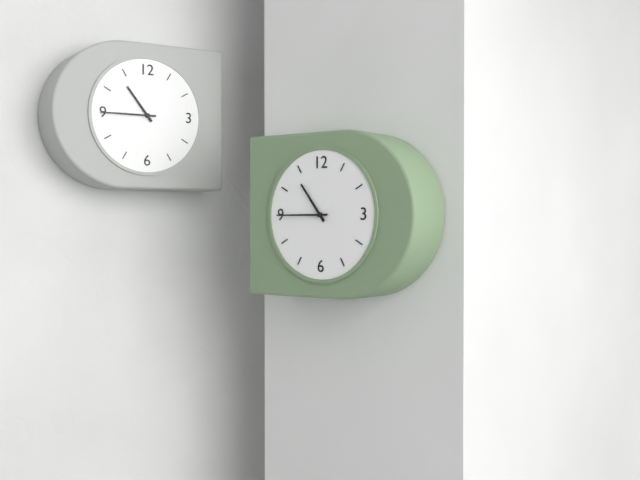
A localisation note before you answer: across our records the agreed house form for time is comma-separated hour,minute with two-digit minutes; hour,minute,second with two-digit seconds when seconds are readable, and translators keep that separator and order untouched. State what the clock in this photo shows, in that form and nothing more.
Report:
10,45
